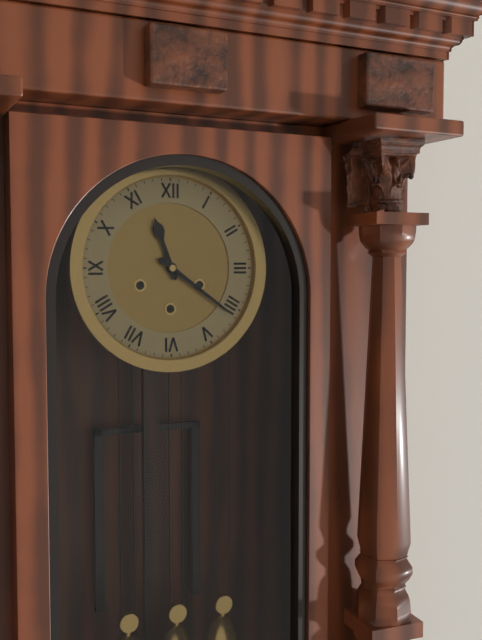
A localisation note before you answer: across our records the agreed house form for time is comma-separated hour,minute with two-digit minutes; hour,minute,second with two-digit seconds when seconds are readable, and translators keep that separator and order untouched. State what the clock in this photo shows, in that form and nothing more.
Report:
11,21
